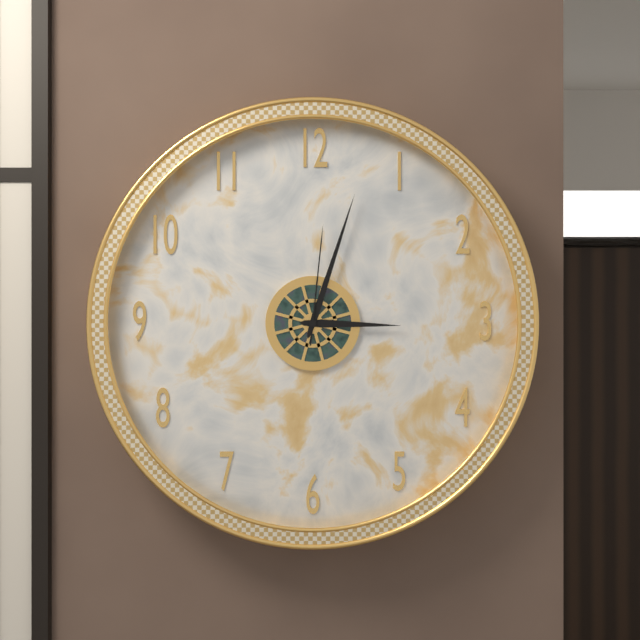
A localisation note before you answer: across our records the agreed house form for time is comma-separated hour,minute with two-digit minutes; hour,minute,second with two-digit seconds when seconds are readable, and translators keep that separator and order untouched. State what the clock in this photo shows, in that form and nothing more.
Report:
3,03,01
